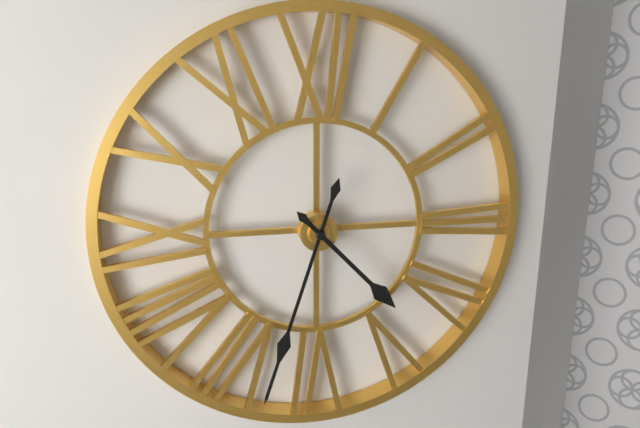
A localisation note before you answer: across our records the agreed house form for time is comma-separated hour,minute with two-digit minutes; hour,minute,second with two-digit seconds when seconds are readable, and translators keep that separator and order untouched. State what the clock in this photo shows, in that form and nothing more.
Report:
4,33
